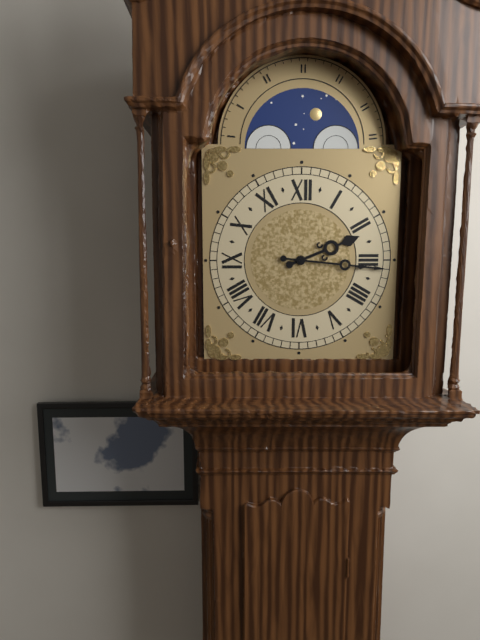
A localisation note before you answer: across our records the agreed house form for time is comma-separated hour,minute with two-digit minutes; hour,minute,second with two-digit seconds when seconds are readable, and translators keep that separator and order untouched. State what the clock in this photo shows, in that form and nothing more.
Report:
2,16
